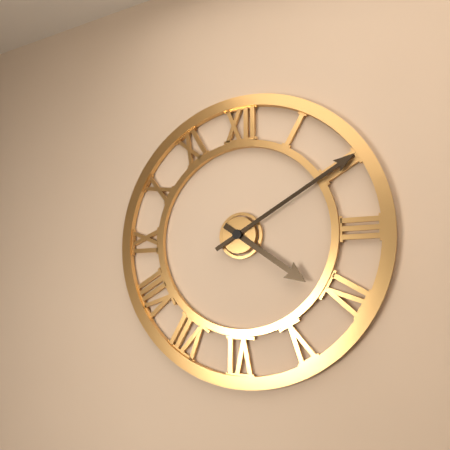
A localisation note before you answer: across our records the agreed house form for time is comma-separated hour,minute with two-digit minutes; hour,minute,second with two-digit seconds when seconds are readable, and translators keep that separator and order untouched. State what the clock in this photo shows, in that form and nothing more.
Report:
4,10
